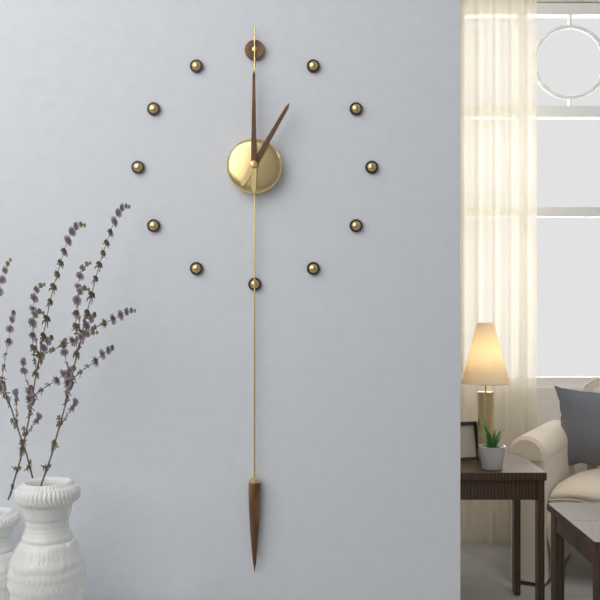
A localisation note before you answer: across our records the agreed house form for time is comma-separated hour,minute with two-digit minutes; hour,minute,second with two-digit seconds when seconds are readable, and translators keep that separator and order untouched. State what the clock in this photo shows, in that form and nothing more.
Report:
1,00
